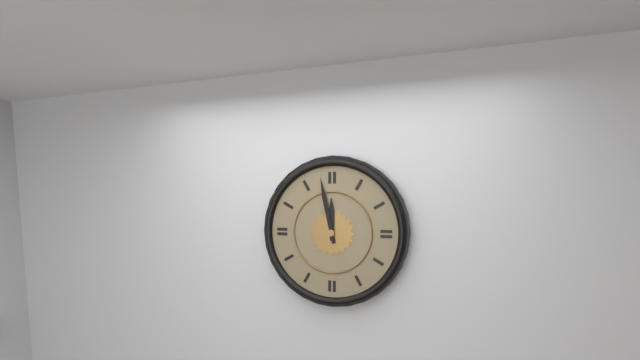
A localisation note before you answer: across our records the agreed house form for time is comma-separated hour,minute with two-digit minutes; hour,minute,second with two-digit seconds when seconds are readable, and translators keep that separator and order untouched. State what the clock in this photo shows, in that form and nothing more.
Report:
11,58
